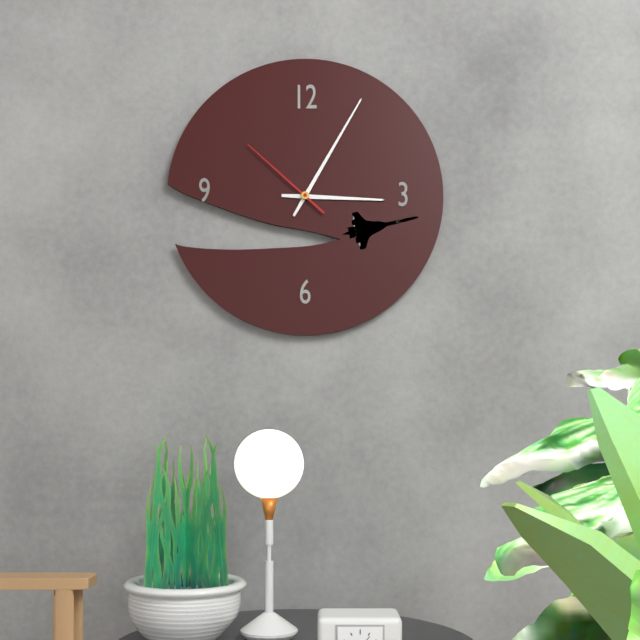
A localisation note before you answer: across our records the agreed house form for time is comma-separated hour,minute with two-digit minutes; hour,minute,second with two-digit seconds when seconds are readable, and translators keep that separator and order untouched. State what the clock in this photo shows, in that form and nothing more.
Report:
3,05,52
